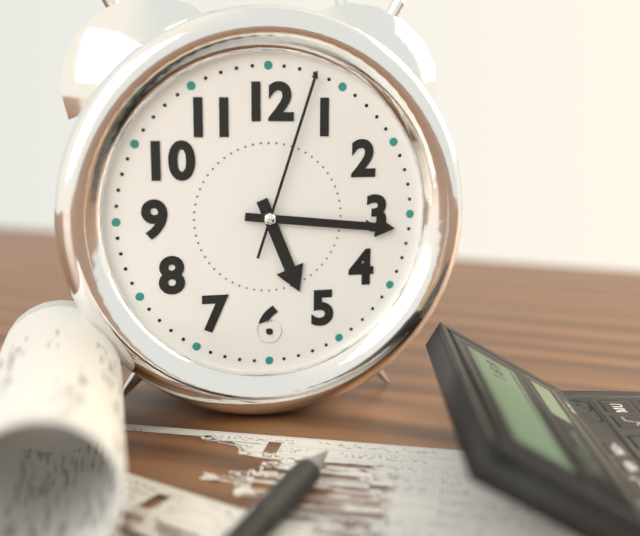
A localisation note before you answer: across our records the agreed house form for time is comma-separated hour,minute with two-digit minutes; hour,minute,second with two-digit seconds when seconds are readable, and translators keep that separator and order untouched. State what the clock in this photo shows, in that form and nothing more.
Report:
5,16,03
